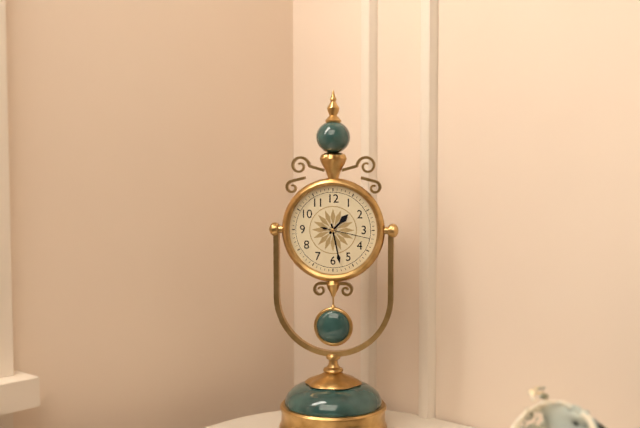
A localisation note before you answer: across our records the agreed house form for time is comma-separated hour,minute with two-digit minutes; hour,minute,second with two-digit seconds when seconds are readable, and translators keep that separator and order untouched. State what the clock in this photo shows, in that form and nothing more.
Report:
1,28
